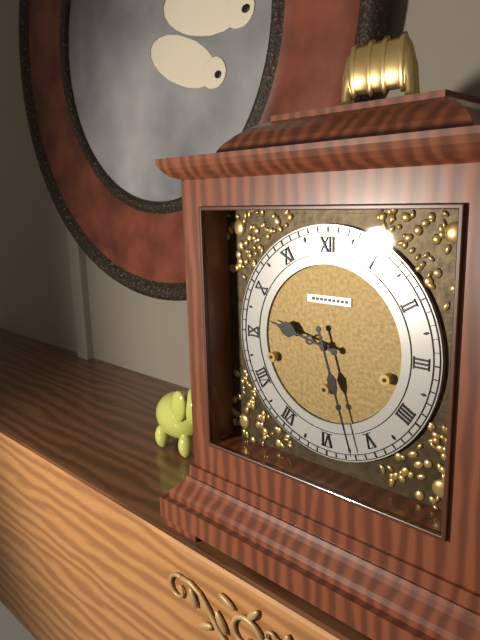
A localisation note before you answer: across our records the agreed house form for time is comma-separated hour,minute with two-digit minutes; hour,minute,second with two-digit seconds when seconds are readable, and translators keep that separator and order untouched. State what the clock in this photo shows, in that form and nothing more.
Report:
9,27
